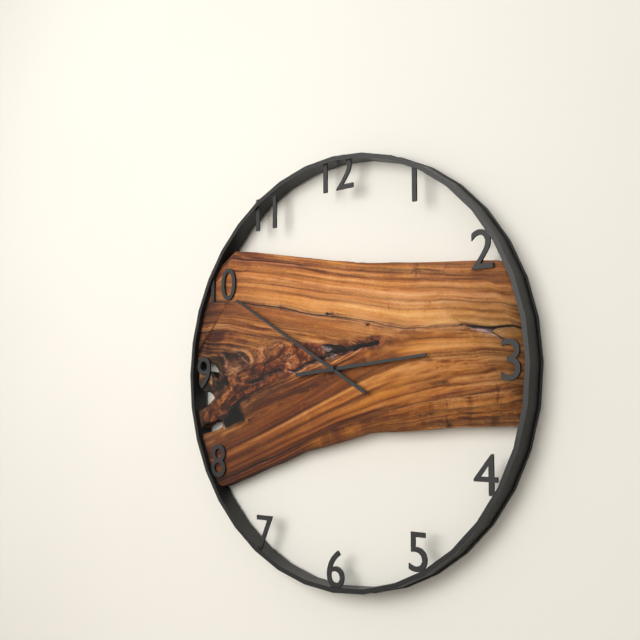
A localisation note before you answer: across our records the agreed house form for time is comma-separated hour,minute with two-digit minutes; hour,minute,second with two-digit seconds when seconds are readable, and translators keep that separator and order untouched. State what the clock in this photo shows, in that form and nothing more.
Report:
2,50
